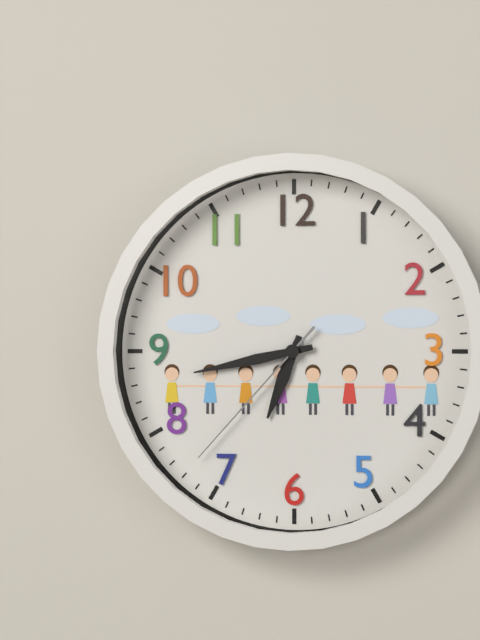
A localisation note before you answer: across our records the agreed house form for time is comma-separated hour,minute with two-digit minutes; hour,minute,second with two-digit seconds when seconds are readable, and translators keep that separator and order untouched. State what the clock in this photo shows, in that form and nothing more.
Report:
6,43,37
